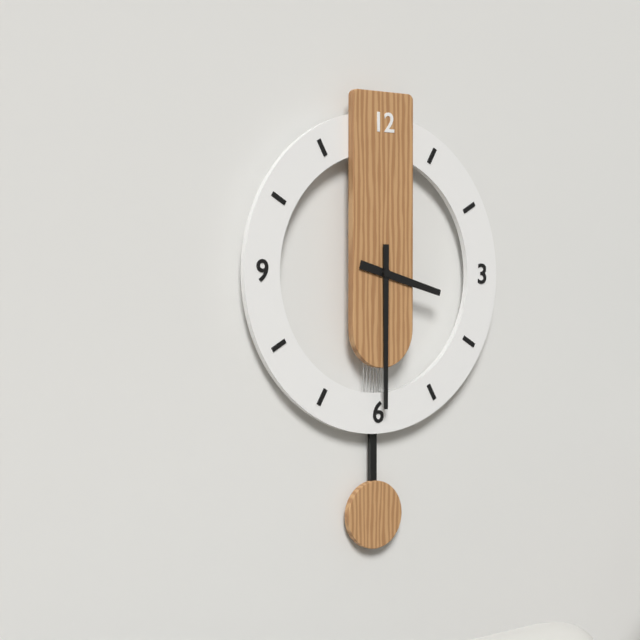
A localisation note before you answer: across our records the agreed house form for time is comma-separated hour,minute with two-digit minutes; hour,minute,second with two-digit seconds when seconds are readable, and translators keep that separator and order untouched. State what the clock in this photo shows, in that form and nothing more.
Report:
3,30
